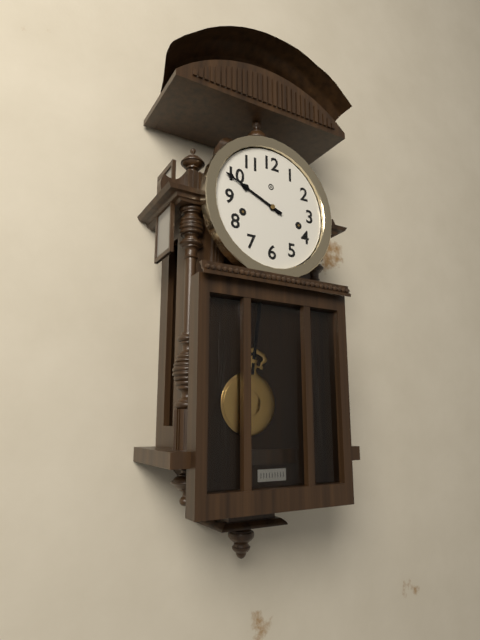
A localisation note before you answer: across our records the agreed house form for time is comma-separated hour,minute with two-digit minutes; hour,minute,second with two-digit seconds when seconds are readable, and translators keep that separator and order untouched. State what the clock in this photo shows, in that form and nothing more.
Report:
9,49
